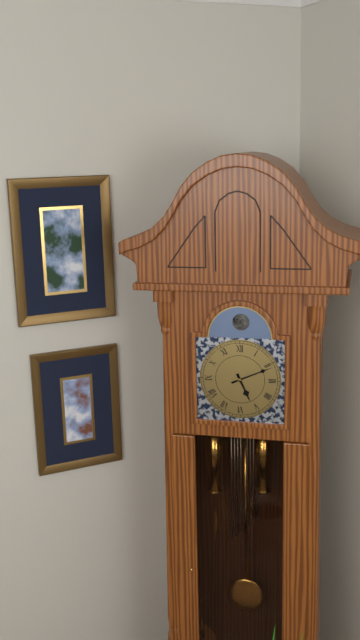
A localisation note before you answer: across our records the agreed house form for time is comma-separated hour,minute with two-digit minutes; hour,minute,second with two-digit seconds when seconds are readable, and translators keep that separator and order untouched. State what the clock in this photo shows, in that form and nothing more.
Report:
5,11
